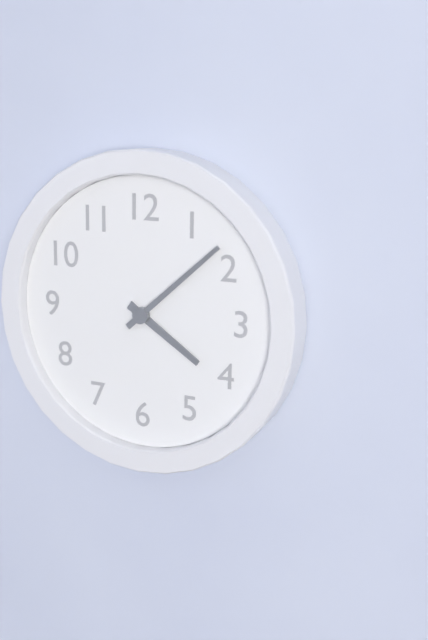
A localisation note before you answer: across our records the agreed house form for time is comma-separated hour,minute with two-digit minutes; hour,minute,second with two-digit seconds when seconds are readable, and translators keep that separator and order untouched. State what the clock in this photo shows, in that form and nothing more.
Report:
4,08
